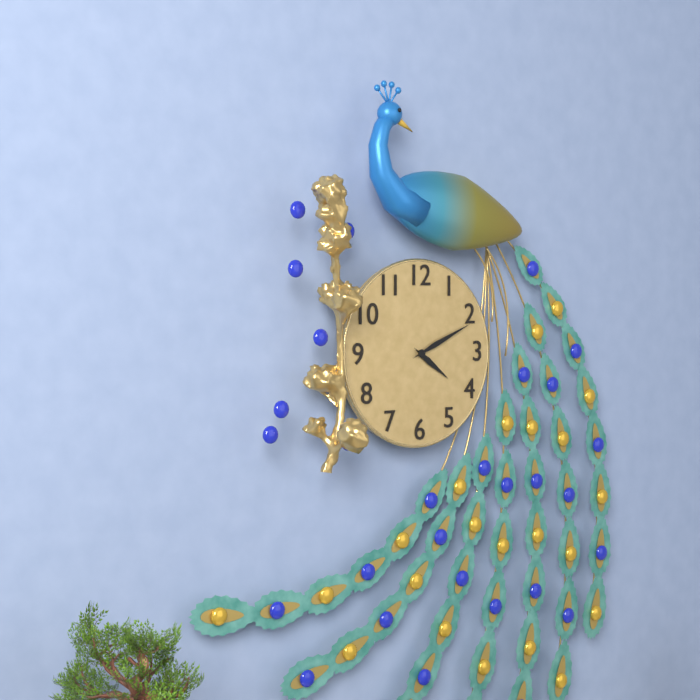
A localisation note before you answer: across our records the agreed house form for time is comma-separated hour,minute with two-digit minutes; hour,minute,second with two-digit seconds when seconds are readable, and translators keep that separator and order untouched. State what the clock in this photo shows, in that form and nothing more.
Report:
4,11
